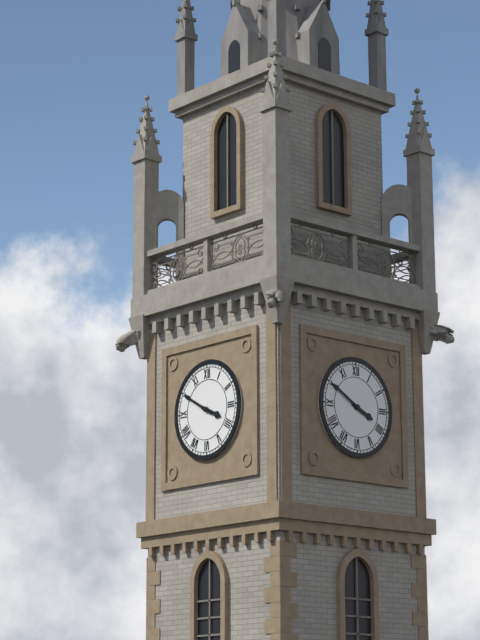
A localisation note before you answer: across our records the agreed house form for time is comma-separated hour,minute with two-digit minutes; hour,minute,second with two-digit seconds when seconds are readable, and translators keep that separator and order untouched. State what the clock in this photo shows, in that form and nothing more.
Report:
3,50
